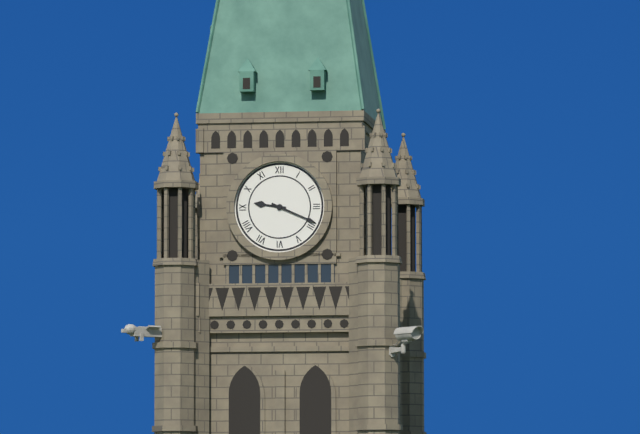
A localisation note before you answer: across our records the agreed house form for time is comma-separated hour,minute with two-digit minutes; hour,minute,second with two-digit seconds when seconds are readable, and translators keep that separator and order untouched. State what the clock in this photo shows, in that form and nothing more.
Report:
9,19
